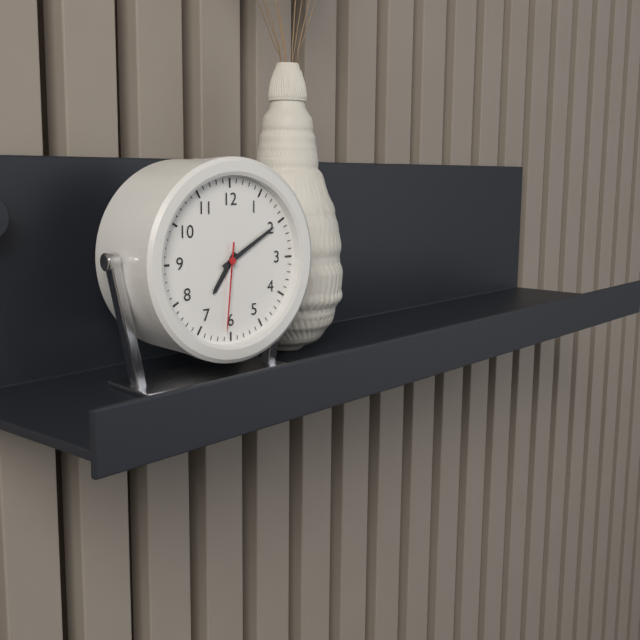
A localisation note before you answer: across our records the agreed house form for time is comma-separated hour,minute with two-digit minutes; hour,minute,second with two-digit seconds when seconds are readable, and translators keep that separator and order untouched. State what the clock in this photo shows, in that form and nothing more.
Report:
7,10,31
